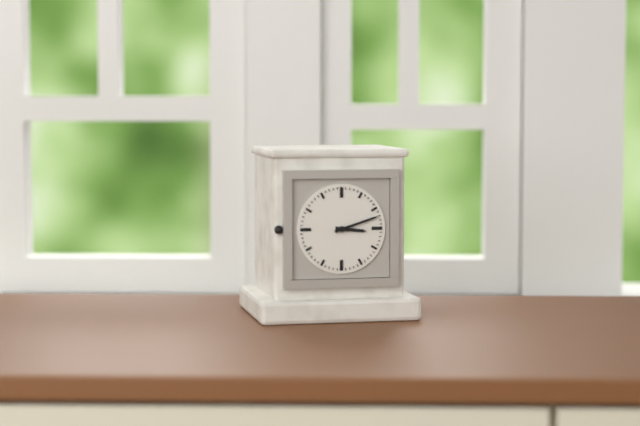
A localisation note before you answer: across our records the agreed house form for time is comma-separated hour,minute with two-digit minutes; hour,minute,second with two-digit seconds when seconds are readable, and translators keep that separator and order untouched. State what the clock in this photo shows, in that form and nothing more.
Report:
3,12
